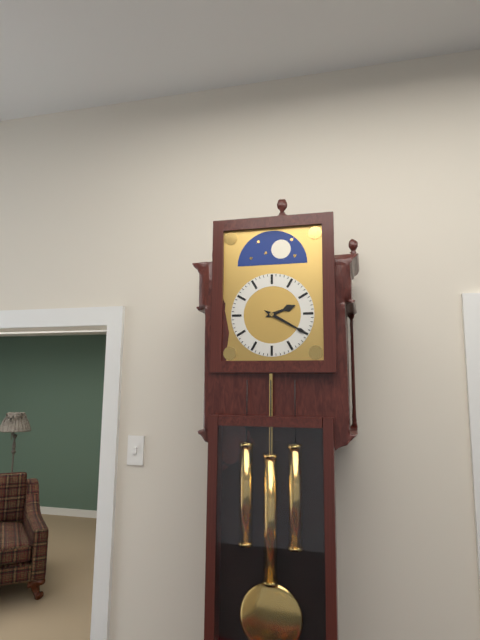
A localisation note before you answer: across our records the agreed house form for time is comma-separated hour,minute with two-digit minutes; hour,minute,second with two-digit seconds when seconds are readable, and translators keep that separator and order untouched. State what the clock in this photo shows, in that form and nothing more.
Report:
2,20
